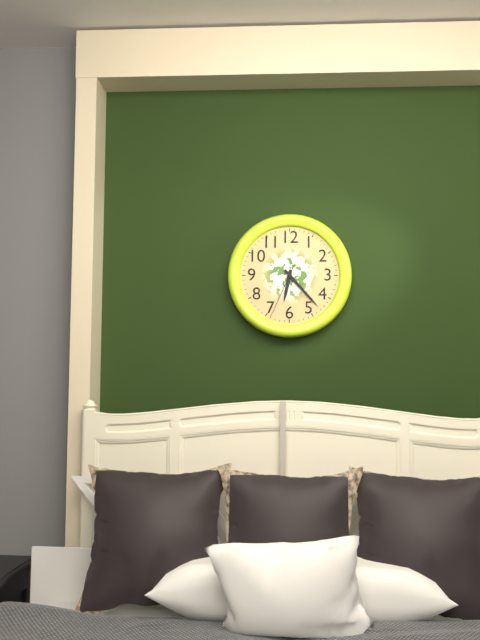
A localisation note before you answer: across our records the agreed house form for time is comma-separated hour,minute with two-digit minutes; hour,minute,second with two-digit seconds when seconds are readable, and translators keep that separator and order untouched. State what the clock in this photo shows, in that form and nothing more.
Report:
6,23,34
